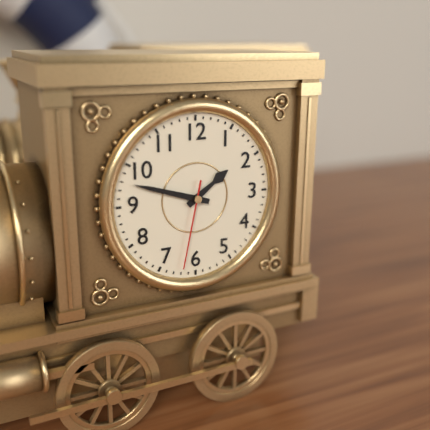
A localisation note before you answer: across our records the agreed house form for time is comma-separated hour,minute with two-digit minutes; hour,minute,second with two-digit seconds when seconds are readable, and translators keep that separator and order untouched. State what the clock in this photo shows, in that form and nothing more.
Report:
1,48,32
